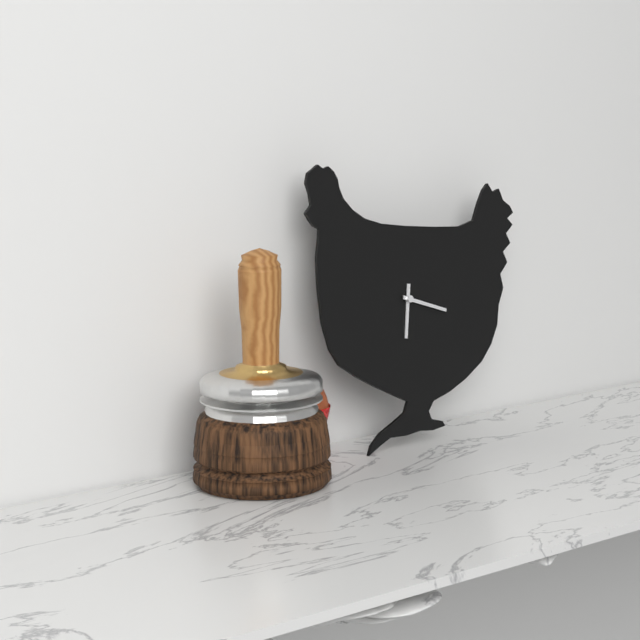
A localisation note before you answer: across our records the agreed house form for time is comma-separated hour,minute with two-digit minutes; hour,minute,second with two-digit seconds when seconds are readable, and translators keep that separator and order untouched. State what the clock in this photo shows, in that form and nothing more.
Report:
6,18
